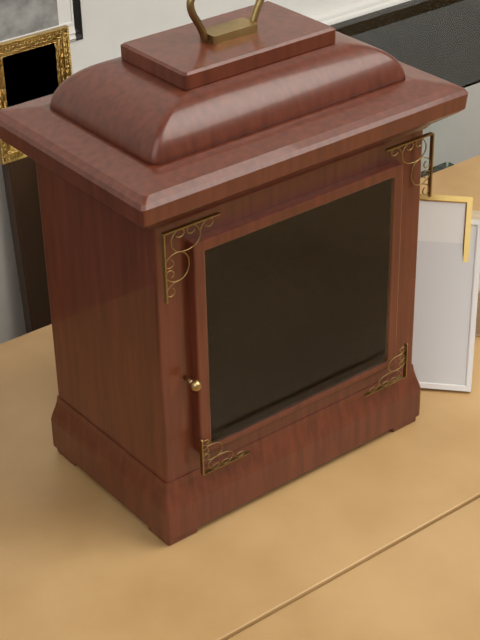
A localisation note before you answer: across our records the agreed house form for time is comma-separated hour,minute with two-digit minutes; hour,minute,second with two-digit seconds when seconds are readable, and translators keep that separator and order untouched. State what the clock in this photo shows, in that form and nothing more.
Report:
1,03
